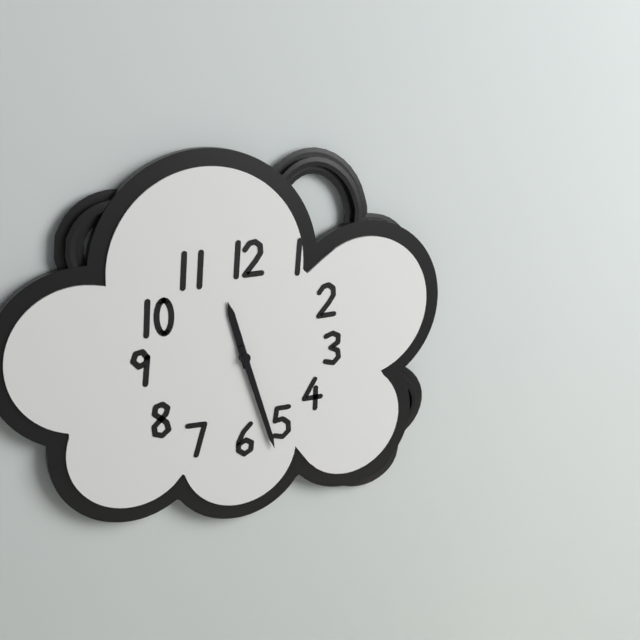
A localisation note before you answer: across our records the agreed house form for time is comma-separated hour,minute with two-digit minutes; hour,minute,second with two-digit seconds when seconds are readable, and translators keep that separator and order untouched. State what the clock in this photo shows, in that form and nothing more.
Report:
11,27
